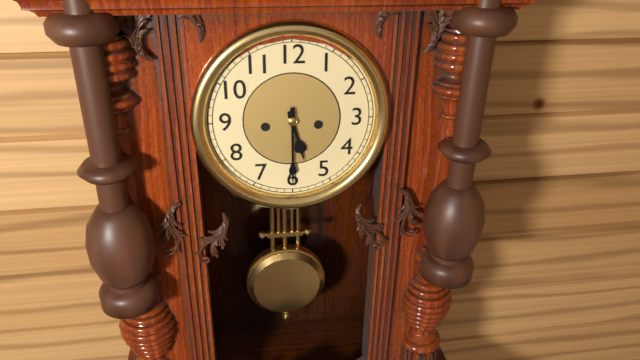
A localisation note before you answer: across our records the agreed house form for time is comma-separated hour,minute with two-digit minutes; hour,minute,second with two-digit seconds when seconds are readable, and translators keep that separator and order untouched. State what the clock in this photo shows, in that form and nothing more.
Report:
5,30
